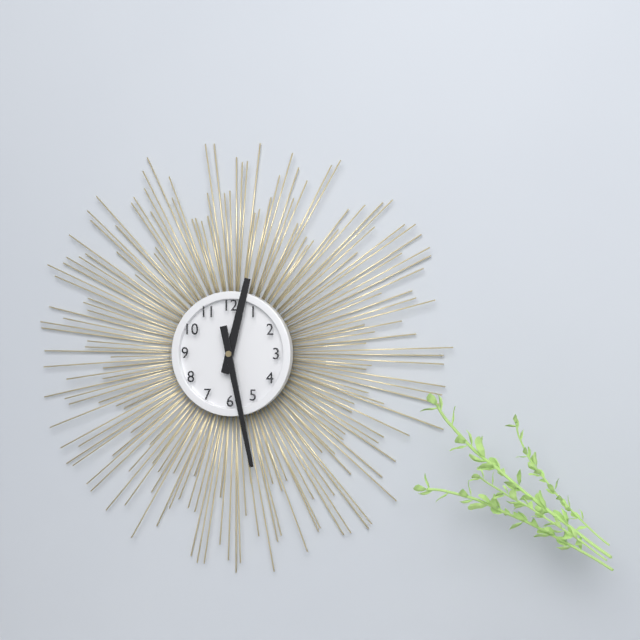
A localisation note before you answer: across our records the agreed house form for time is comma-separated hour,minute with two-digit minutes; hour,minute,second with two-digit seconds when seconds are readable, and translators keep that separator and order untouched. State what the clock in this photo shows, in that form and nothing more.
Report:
12,28
